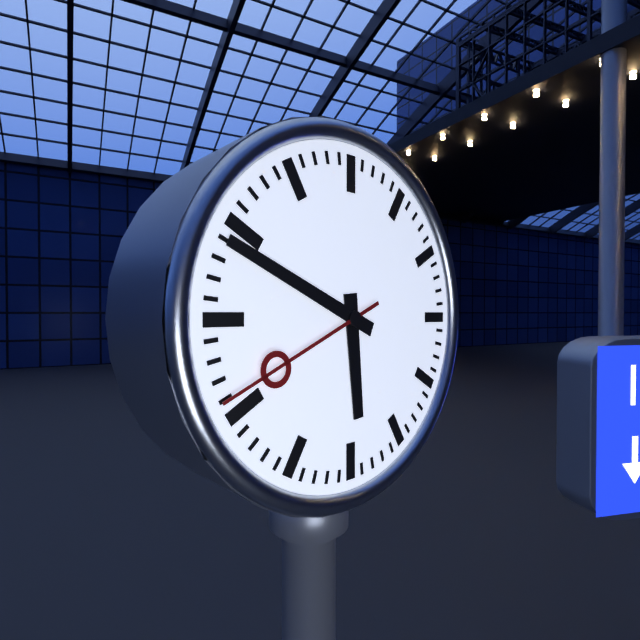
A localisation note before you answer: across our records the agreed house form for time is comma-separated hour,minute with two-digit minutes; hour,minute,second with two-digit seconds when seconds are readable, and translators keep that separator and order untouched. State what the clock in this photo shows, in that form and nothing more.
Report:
5,49,41
